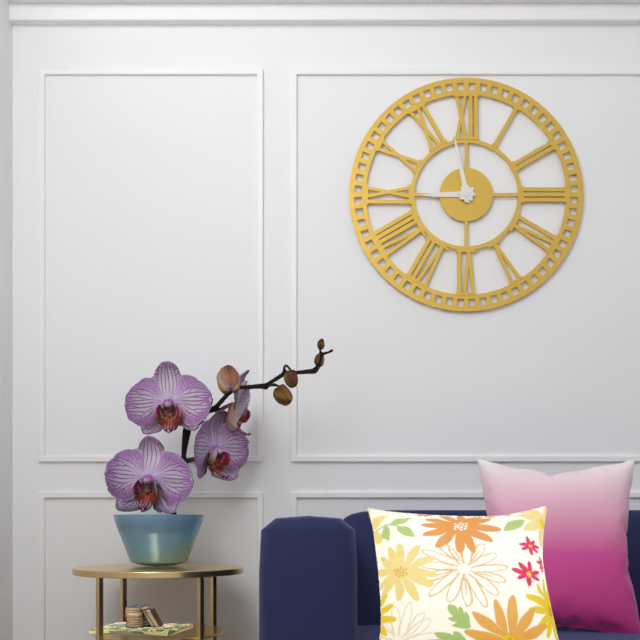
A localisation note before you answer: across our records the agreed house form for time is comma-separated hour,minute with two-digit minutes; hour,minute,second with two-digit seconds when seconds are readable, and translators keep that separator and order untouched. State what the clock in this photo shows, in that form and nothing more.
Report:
8,58
